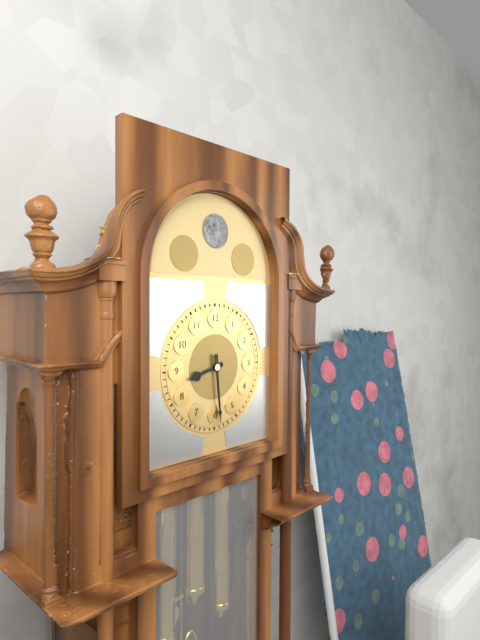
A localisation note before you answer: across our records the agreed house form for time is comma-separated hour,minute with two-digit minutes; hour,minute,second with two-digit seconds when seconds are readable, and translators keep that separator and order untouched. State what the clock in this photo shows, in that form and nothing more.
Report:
8,29
